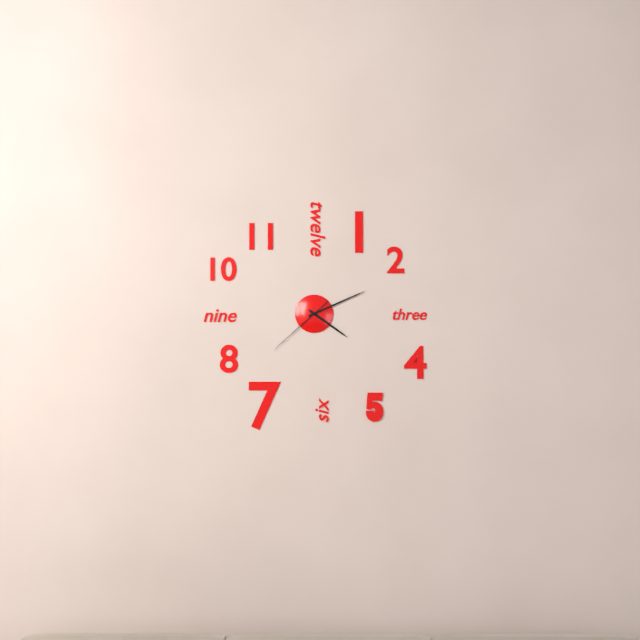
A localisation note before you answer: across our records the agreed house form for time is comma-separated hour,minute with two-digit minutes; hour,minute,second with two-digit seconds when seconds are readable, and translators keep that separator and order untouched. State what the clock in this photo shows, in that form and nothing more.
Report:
4,11,38
